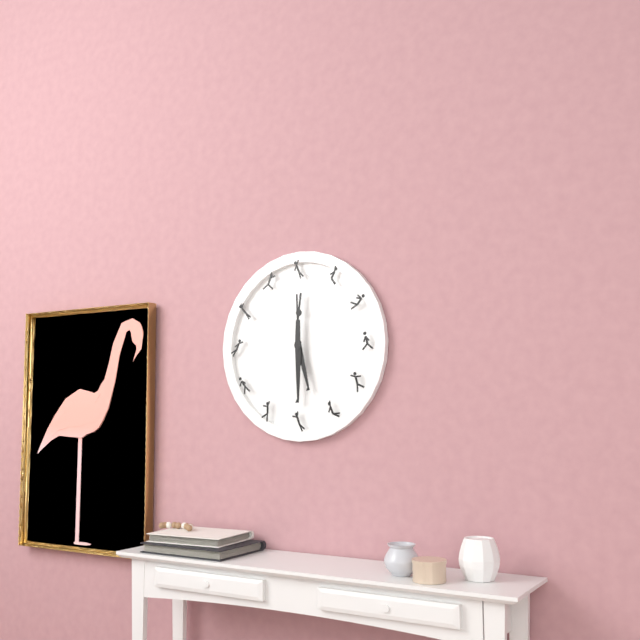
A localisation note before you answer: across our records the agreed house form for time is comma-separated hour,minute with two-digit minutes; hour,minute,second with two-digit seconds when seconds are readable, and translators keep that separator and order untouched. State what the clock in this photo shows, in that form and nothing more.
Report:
5,30
